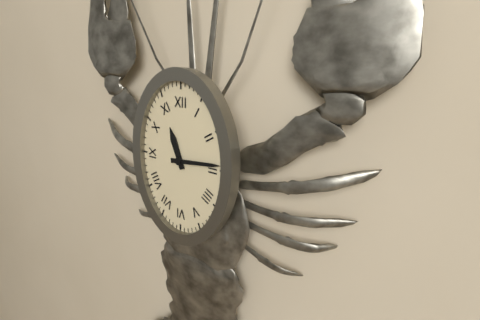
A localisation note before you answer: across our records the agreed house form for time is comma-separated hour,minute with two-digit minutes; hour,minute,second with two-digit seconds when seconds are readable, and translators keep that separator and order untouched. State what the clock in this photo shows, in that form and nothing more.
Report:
11,14
